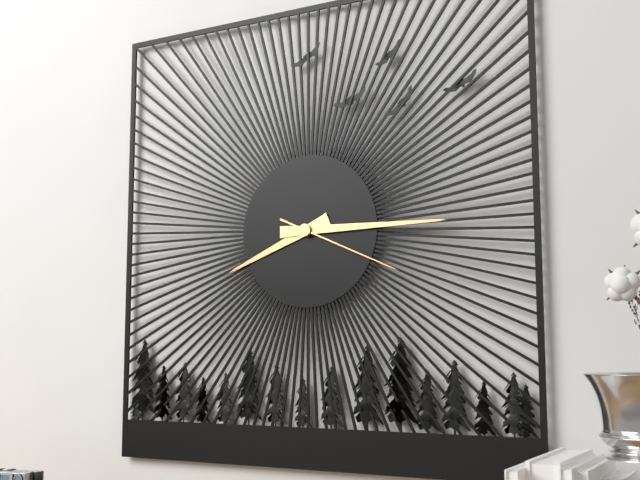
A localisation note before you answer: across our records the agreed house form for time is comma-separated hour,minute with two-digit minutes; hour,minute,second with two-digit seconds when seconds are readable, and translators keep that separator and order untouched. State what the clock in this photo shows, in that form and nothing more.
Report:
8,15,19
